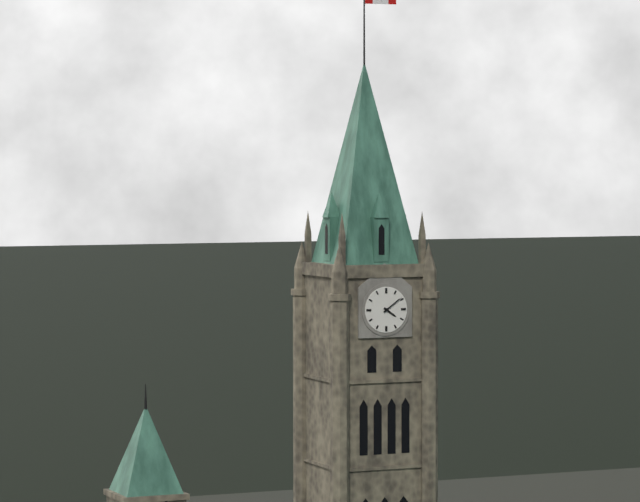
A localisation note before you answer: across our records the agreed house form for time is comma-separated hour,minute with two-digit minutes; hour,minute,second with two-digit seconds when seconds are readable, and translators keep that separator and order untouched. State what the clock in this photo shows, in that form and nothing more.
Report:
4,09
